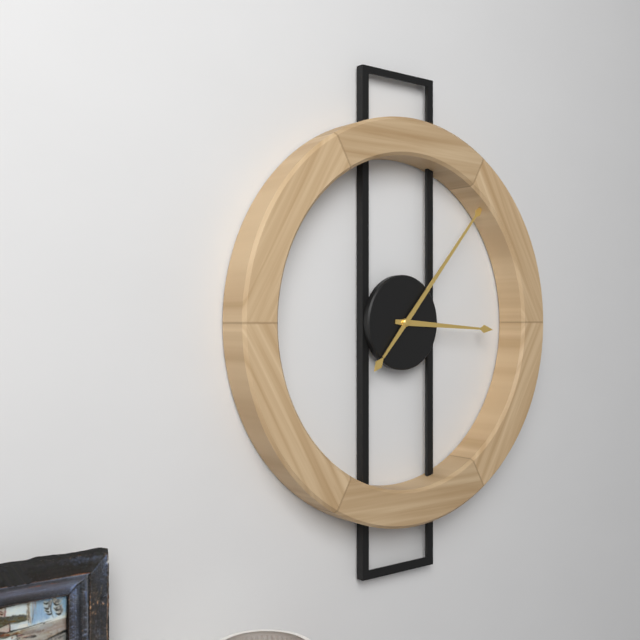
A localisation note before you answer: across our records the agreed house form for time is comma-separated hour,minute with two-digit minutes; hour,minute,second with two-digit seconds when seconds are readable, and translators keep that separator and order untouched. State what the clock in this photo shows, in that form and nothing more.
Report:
3,07
